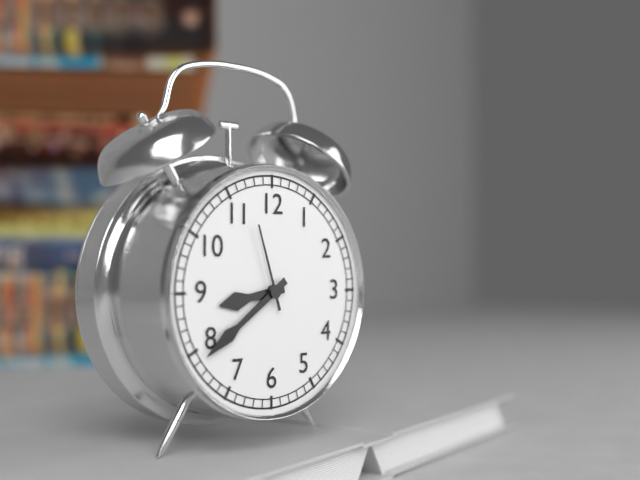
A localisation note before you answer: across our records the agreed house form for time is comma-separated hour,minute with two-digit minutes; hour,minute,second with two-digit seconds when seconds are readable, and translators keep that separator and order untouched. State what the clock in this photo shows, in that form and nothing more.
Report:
8,39,57
